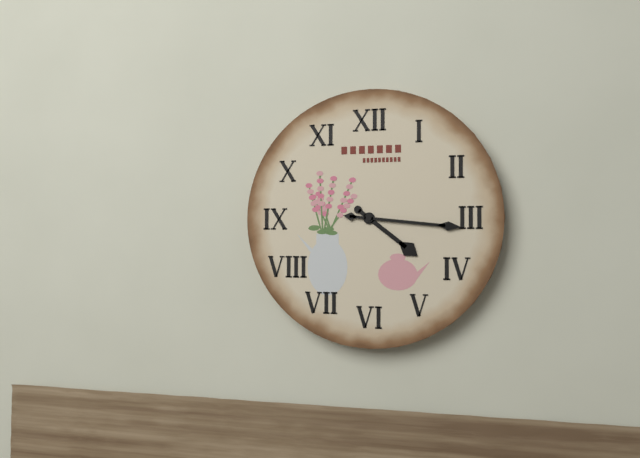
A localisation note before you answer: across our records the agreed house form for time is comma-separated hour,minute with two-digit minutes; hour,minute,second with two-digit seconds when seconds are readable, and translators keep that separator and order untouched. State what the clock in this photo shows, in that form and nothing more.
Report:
4,16
